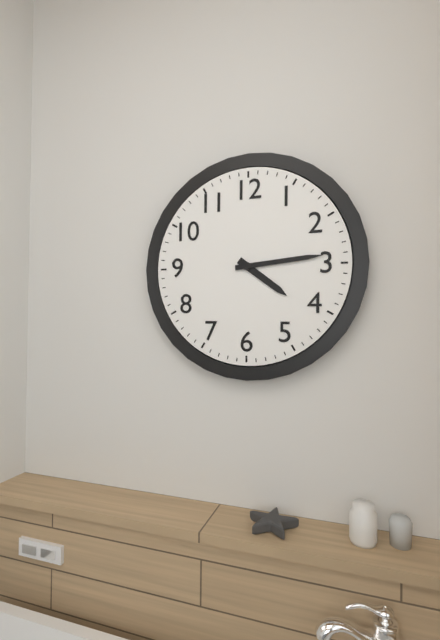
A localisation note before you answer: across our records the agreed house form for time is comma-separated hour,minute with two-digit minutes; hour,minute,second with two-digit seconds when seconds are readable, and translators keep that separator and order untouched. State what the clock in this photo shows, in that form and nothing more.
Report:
4,14
